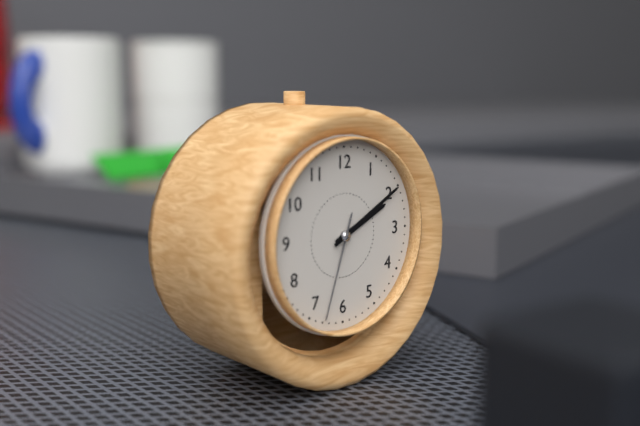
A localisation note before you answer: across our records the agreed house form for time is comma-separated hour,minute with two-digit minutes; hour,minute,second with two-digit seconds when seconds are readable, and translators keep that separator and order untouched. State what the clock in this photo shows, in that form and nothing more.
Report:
2,10,33
